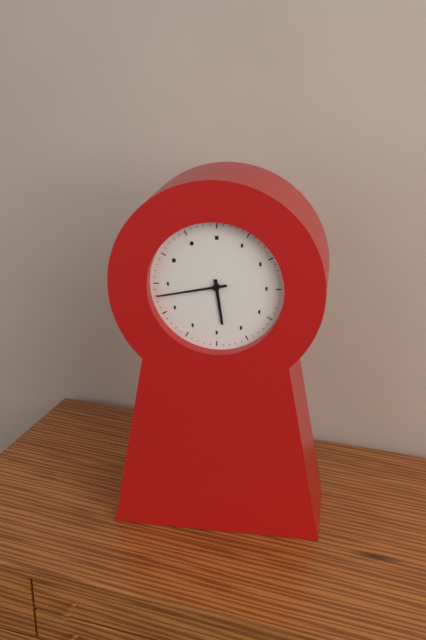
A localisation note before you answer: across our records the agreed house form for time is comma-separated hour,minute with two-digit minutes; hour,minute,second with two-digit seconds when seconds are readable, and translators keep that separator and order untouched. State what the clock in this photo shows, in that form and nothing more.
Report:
5,43
